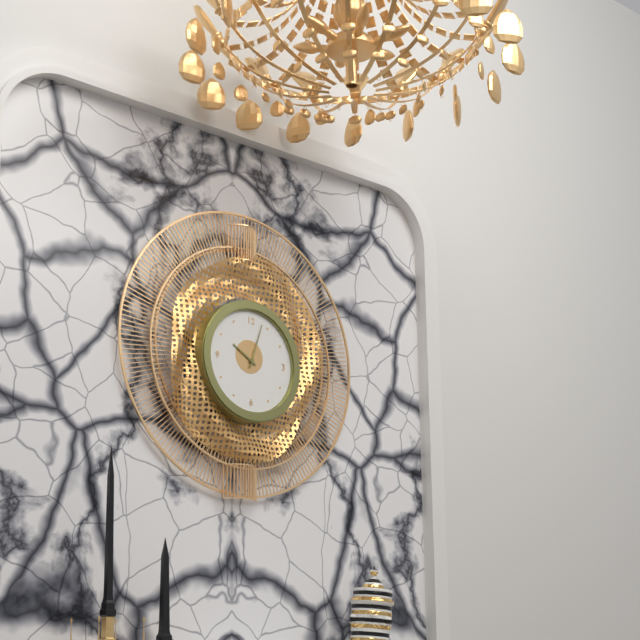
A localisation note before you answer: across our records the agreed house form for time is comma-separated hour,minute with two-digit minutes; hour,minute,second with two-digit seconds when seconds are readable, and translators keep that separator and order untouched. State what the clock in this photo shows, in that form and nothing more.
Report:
10,03
